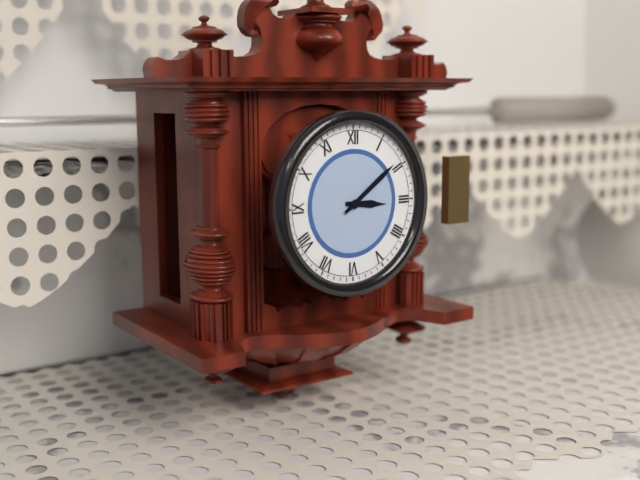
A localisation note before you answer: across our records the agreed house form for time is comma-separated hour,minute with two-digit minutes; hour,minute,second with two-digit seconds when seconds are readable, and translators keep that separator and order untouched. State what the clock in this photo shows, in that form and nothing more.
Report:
3,09
